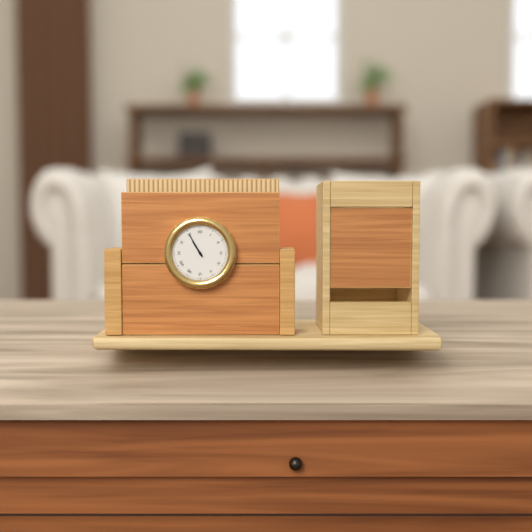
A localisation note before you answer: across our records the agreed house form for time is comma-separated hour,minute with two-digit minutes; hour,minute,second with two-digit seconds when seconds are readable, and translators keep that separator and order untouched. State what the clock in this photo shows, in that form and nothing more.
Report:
10,55
